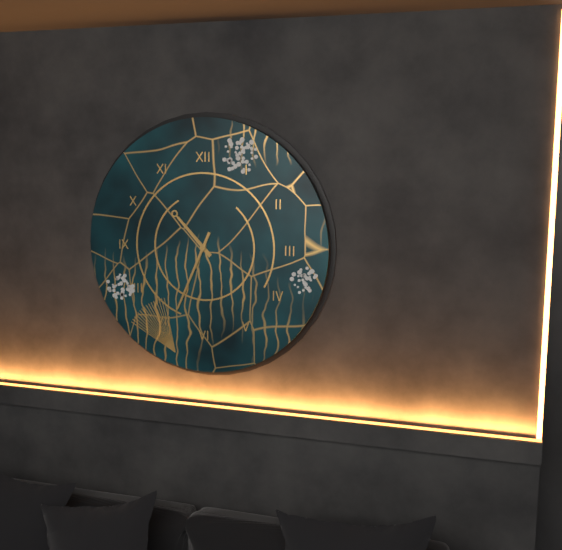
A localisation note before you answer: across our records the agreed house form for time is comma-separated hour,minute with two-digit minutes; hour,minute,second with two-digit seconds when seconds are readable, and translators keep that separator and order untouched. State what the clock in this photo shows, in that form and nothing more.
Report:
10,34
